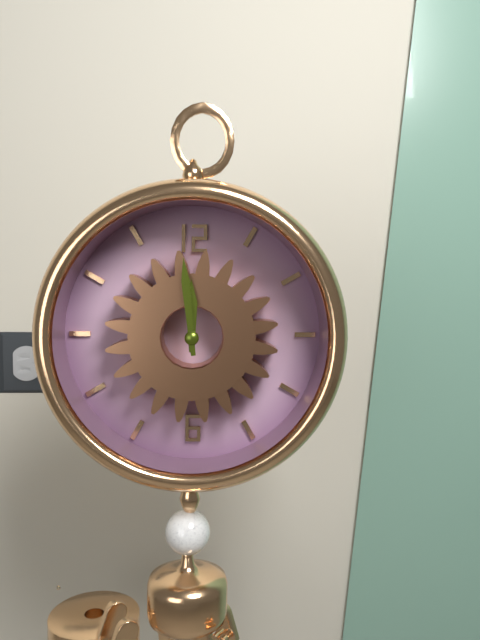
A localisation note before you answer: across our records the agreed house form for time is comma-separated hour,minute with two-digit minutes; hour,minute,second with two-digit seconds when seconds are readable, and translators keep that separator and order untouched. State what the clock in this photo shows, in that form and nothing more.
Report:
11,59
